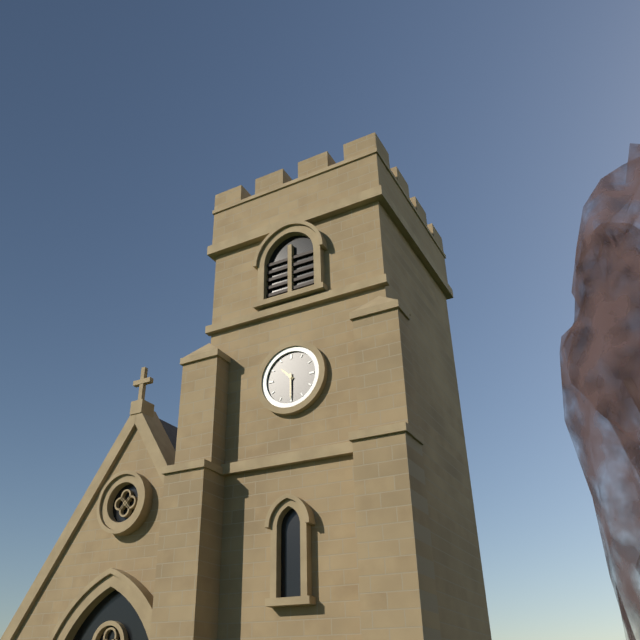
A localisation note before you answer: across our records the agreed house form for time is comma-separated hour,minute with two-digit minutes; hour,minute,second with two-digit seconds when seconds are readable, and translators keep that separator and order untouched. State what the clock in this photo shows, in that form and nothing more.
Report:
10,30
